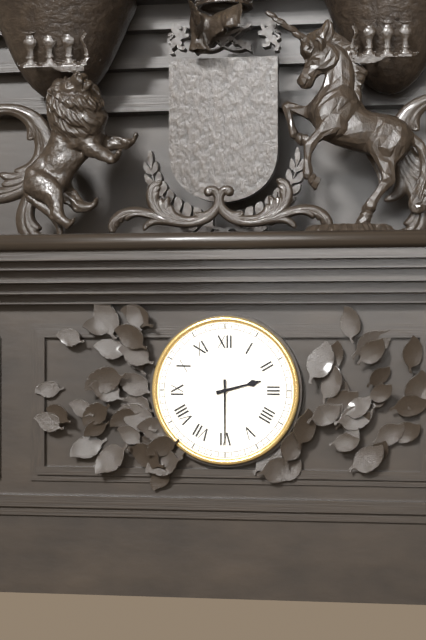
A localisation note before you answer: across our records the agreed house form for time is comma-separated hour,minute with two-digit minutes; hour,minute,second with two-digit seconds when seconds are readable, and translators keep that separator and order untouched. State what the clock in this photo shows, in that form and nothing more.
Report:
2,30
